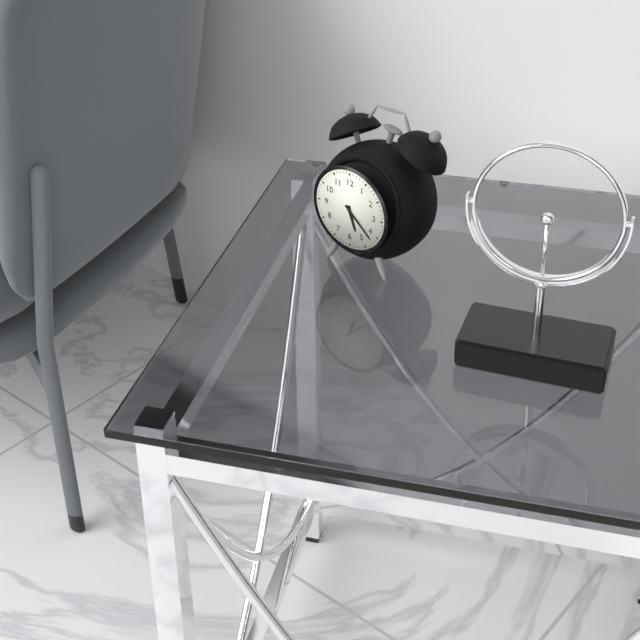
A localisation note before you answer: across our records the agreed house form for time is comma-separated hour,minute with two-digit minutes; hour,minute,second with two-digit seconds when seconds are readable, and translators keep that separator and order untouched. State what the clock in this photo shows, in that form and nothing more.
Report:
5,22
